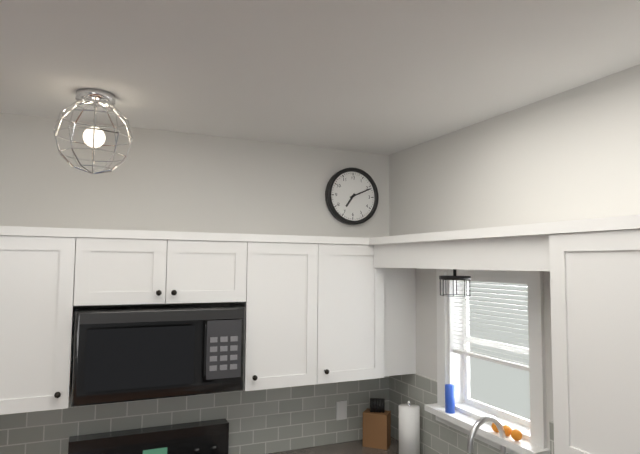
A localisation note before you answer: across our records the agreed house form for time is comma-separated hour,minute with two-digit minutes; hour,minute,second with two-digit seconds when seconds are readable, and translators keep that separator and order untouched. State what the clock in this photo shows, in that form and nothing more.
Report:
7,11
